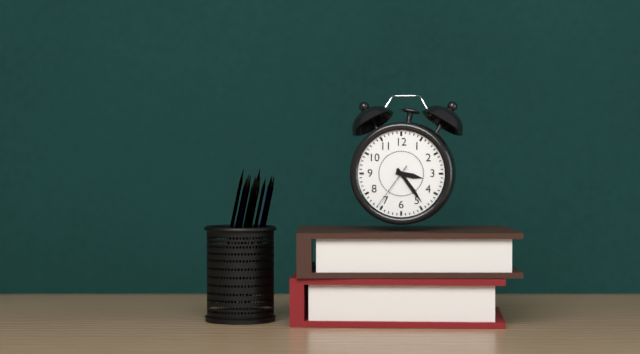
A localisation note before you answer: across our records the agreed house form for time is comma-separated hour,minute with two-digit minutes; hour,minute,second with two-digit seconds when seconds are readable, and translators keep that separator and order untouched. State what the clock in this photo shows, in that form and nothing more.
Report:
3,24,36
